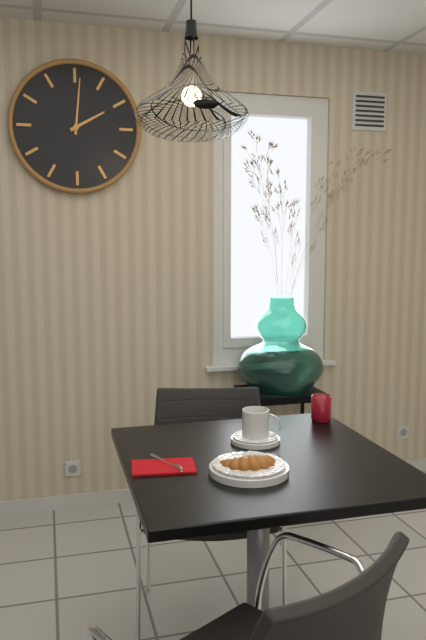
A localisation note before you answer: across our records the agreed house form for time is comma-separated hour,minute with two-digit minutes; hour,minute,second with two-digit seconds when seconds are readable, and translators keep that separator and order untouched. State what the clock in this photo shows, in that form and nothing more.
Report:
2,01
